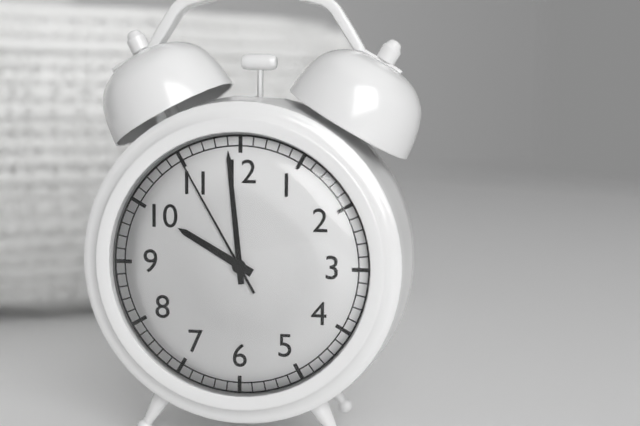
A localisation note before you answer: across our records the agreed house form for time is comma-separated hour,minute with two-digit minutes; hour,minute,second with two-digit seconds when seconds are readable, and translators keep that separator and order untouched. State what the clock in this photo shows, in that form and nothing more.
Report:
9,59,55
